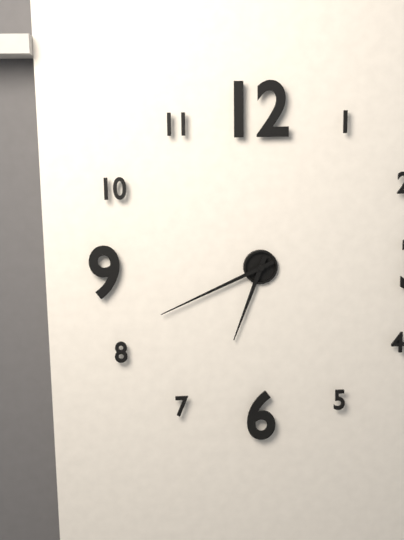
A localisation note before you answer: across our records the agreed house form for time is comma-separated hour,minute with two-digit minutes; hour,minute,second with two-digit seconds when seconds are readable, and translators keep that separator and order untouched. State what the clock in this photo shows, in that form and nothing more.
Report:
6,41
